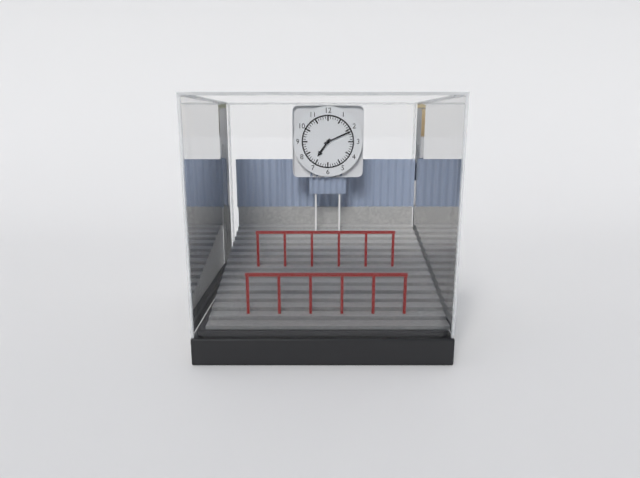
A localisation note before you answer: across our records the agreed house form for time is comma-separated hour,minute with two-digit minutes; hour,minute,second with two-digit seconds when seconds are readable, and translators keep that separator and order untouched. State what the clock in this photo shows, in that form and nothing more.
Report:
7,11
